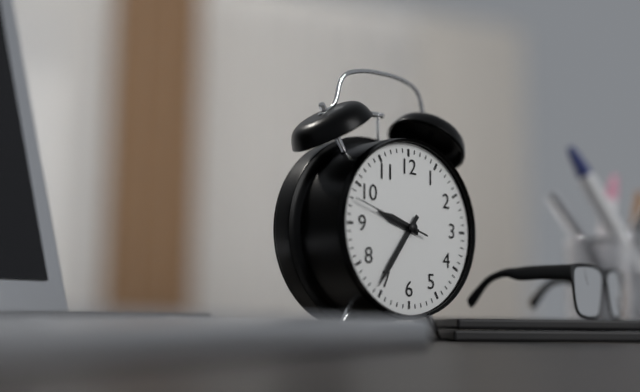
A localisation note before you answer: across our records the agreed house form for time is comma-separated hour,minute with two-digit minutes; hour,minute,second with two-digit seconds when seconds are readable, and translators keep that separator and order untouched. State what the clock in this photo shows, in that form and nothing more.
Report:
9,36,48
